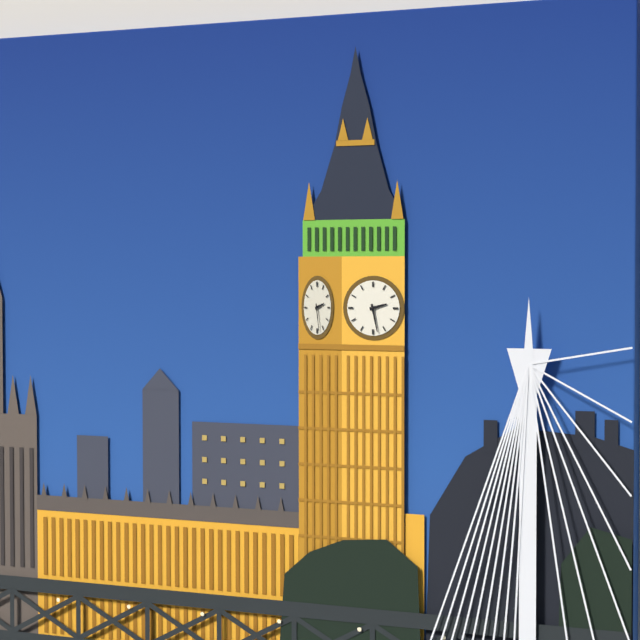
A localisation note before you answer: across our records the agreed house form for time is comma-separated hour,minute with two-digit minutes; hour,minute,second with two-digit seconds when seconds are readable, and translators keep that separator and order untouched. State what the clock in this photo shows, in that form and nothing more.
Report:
2,28
